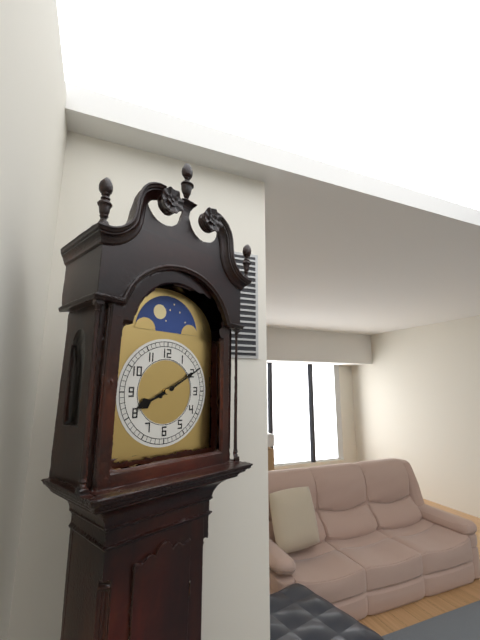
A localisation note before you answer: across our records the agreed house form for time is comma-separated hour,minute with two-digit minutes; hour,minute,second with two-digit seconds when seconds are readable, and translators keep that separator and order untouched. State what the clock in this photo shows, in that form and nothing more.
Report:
8,10
